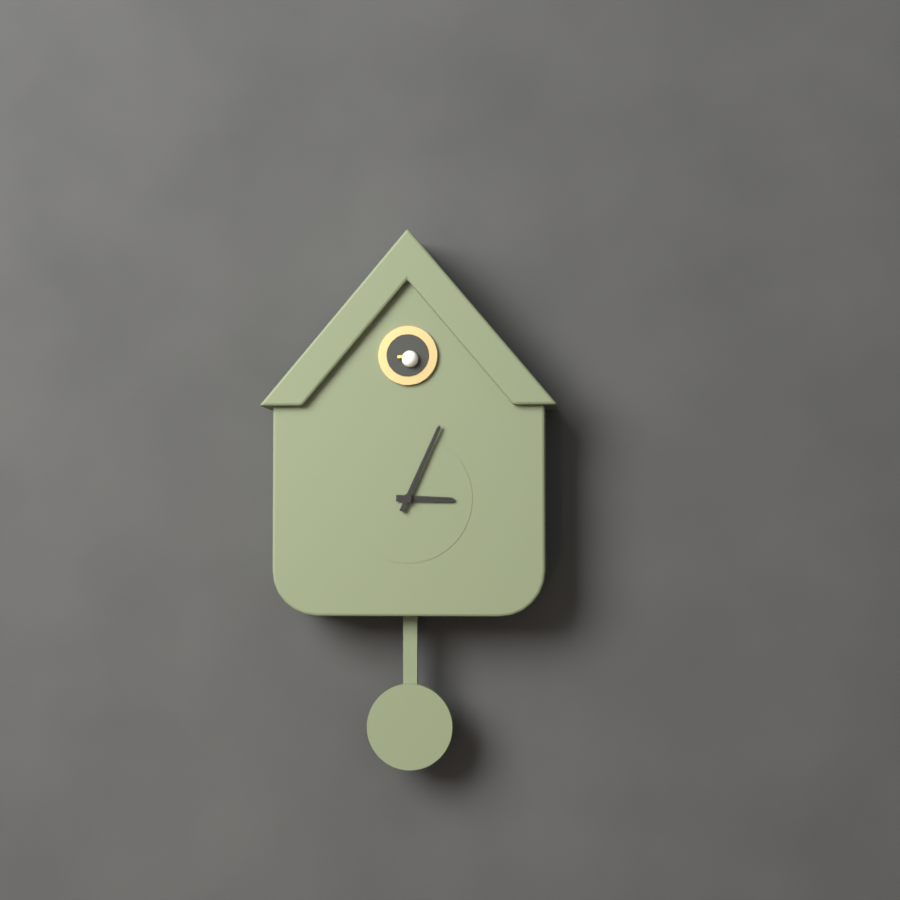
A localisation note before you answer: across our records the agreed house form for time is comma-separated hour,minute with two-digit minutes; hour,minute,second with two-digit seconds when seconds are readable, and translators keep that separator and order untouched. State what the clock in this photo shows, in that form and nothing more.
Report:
3,04
